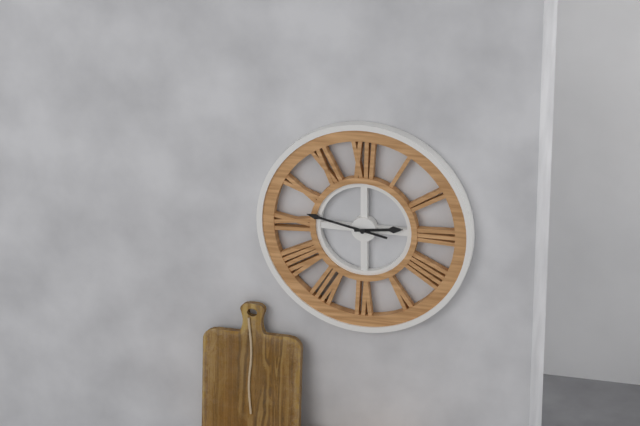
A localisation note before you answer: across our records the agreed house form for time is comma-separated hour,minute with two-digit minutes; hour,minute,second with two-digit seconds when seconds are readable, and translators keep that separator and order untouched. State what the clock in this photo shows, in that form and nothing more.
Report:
2,47
